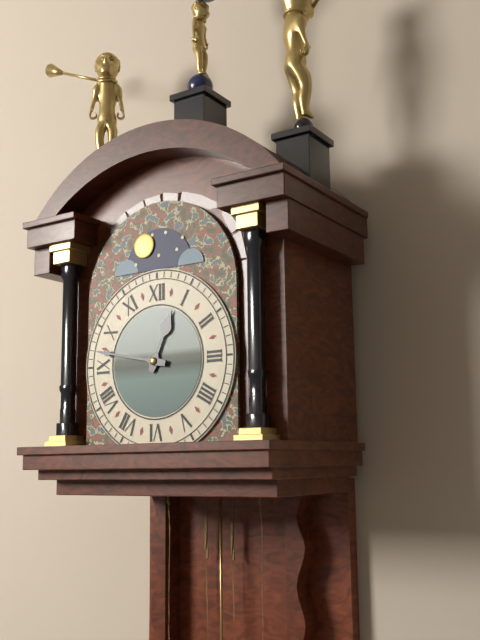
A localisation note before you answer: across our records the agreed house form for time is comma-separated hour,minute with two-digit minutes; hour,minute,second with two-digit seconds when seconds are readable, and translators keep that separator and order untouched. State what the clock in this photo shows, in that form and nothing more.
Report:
12,47
